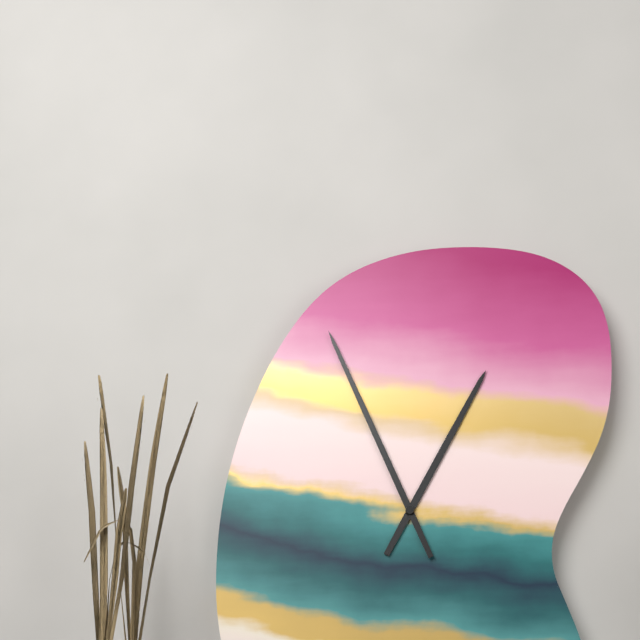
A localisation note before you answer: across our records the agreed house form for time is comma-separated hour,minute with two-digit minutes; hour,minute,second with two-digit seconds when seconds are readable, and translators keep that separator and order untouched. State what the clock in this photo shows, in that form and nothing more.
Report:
12,56
